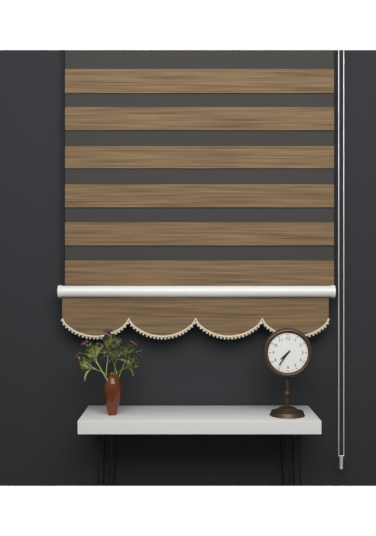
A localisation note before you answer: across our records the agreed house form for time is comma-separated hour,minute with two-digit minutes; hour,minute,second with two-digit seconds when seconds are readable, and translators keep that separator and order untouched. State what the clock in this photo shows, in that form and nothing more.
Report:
7,36
